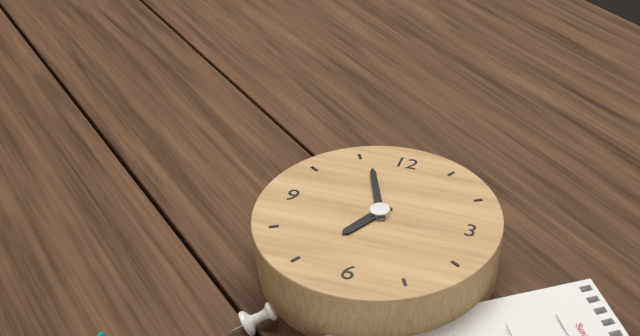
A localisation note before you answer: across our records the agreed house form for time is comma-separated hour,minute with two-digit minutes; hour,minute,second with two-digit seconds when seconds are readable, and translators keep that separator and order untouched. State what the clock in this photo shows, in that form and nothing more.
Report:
6,56
